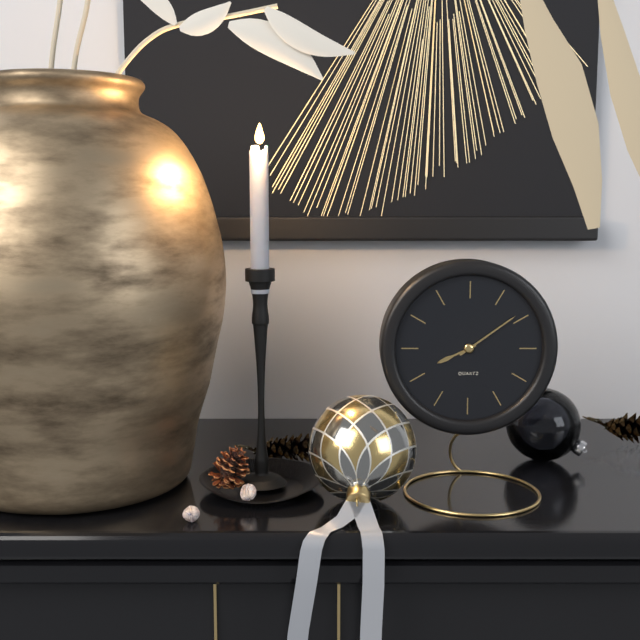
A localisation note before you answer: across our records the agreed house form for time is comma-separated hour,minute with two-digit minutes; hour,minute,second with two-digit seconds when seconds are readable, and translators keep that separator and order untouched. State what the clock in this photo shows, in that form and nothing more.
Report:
8,09
